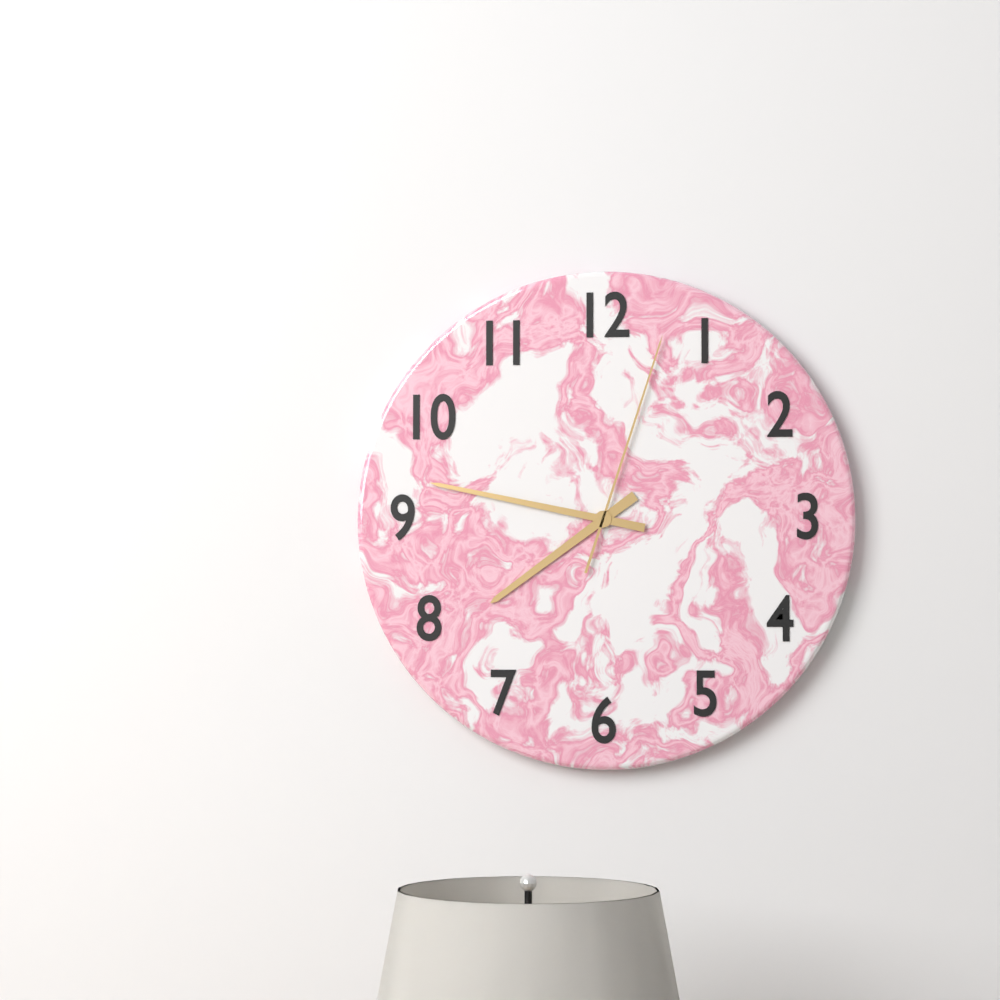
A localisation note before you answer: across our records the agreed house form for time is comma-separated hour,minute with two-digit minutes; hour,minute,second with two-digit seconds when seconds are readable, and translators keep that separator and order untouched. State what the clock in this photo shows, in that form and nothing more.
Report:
7,47,03
